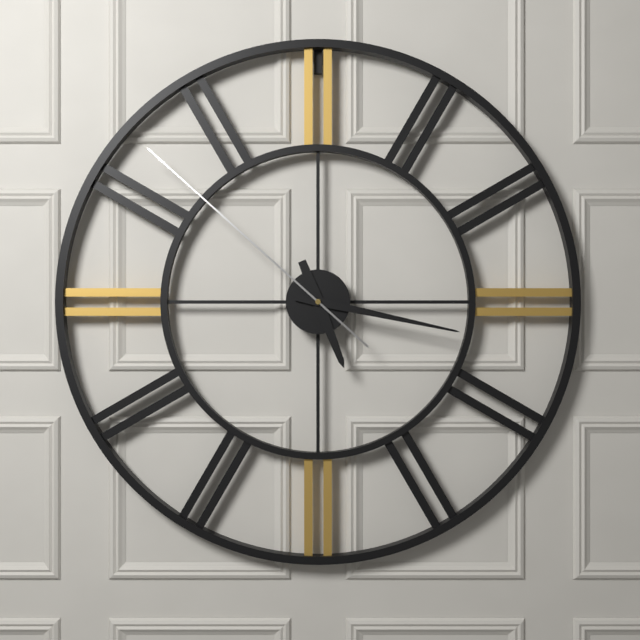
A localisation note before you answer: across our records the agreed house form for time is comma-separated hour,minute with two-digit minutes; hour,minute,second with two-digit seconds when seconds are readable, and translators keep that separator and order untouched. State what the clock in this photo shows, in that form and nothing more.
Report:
5,17,52
